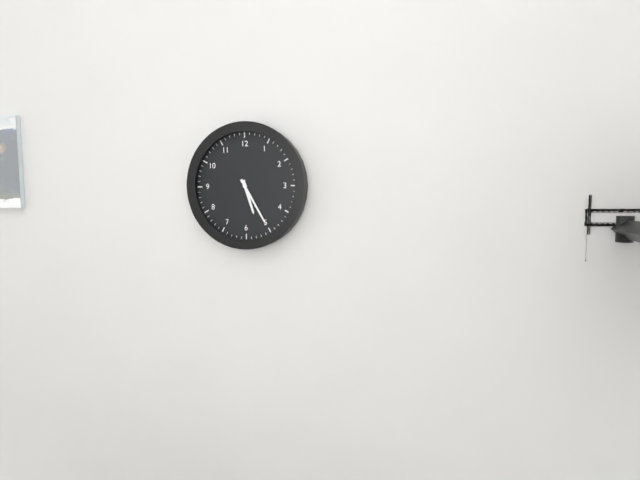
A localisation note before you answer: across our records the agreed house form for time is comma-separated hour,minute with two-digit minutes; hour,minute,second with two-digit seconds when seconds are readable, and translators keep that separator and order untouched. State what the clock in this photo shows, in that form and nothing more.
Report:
5,25
